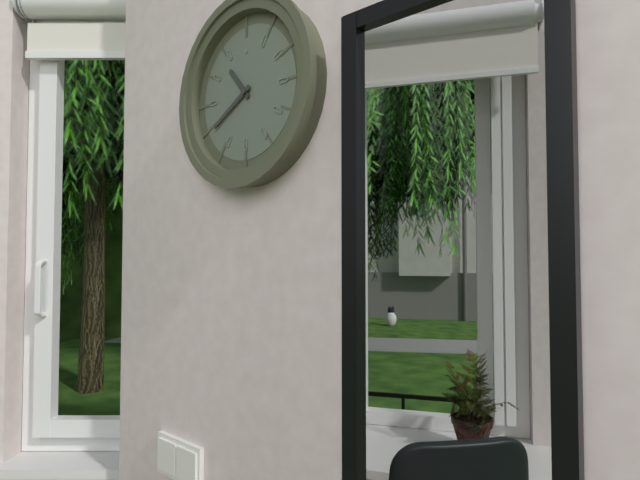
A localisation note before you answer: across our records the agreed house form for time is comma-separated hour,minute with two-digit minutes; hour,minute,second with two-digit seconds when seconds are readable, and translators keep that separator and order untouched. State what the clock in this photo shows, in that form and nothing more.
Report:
10,40
